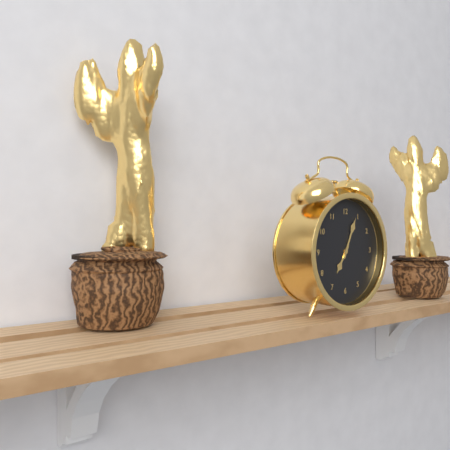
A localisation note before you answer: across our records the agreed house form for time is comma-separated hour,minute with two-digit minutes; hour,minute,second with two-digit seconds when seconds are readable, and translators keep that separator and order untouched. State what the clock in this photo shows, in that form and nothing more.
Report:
7,04
